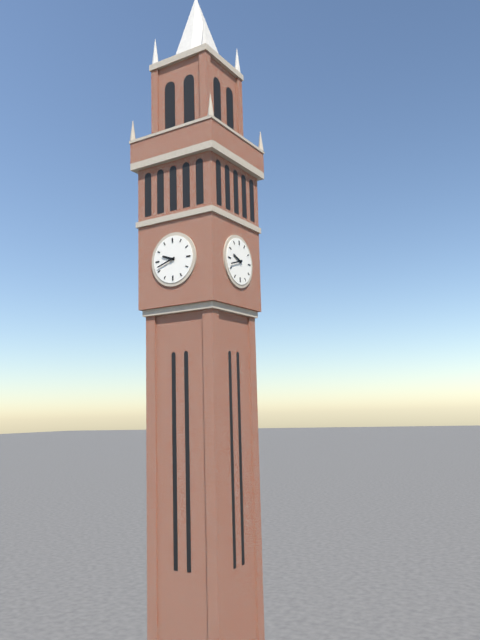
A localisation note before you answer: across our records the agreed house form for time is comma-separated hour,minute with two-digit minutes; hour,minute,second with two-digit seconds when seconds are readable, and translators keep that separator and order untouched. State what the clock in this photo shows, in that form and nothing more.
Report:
9,42
